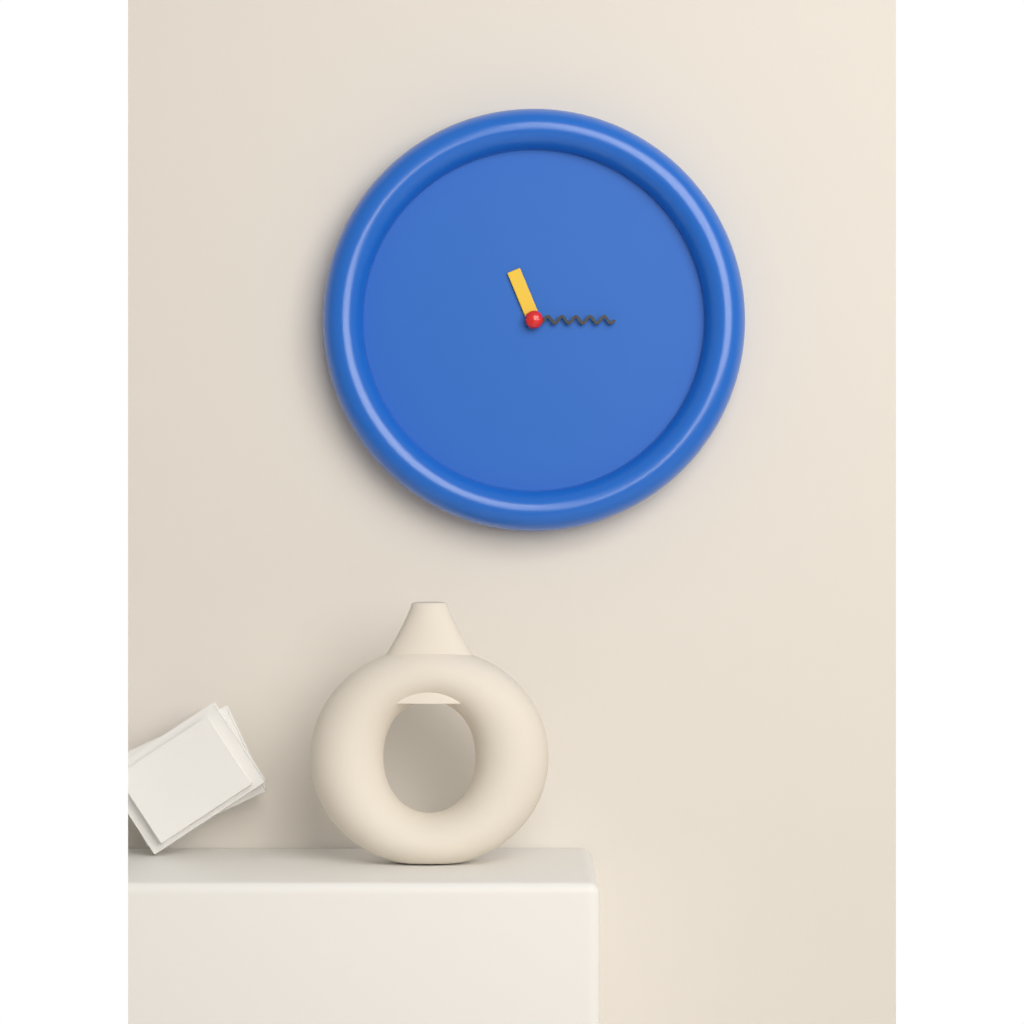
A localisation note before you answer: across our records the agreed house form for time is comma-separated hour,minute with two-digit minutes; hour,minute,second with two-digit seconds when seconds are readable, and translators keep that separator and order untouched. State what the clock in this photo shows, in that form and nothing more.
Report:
11,15
